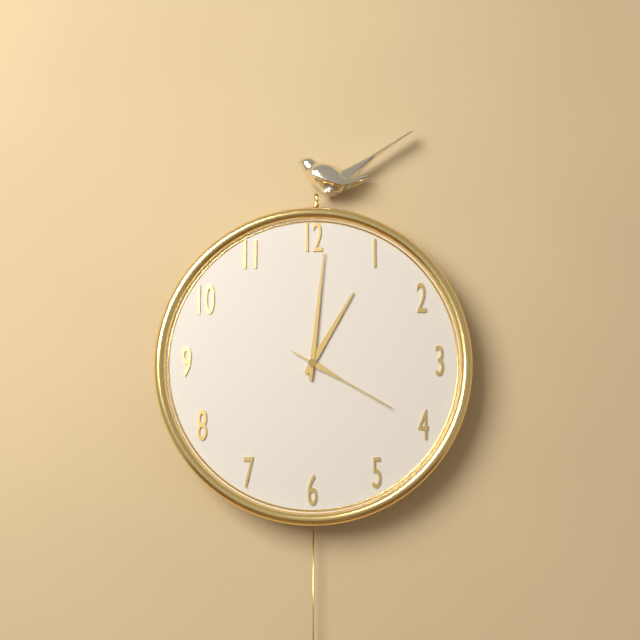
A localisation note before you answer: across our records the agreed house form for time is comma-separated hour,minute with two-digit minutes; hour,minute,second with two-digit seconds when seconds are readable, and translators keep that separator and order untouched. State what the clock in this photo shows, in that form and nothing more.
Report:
1,01,20
